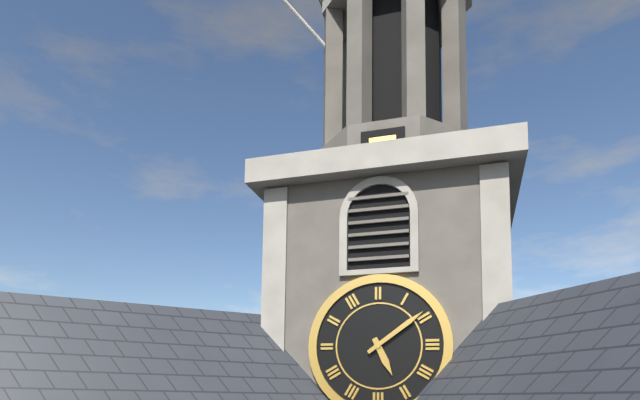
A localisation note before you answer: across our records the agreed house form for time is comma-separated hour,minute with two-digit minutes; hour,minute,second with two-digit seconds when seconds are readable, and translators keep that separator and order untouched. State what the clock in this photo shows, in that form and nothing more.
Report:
5,09
